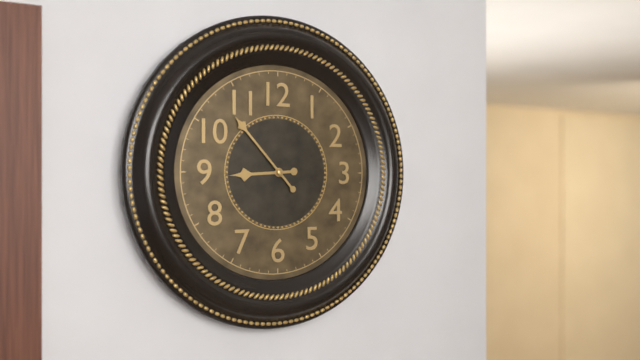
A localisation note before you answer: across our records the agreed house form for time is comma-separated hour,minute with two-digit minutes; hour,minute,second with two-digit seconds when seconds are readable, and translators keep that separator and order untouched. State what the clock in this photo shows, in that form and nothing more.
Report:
8,53
